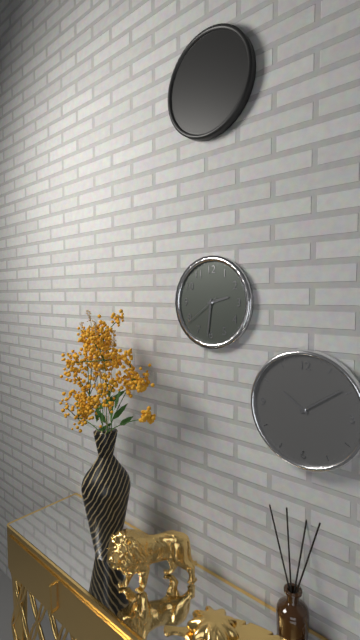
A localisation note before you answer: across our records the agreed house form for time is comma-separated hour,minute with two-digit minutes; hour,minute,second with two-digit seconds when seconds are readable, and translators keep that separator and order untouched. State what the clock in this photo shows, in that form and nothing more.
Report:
2,31
